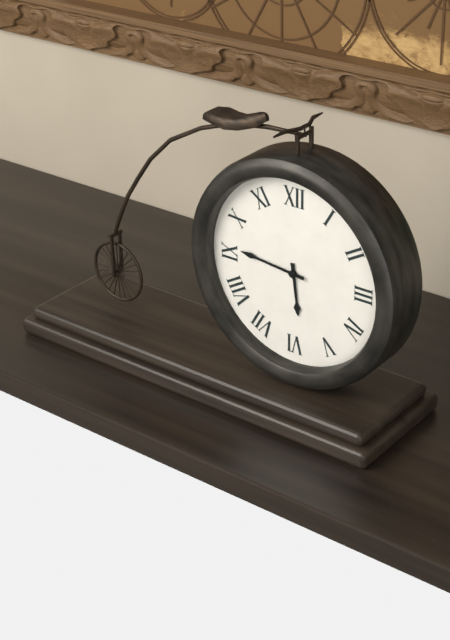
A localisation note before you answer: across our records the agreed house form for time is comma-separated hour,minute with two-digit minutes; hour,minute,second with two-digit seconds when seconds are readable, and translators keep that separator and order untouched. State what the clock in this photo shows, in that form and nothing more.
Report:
5,46
